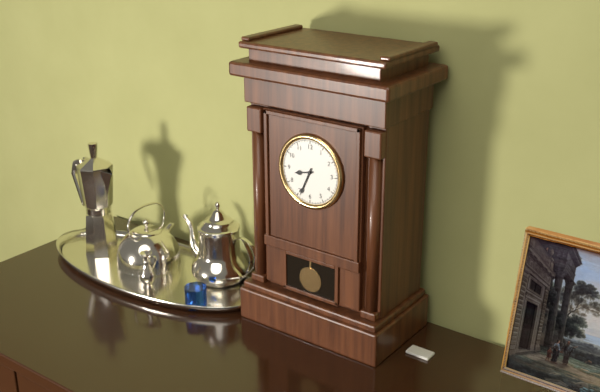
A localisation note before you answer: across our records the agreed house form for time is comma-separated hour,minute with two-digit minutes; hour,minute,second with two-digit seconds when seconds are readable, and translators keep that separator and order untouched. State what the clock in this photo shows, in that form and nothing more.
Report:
8,34
